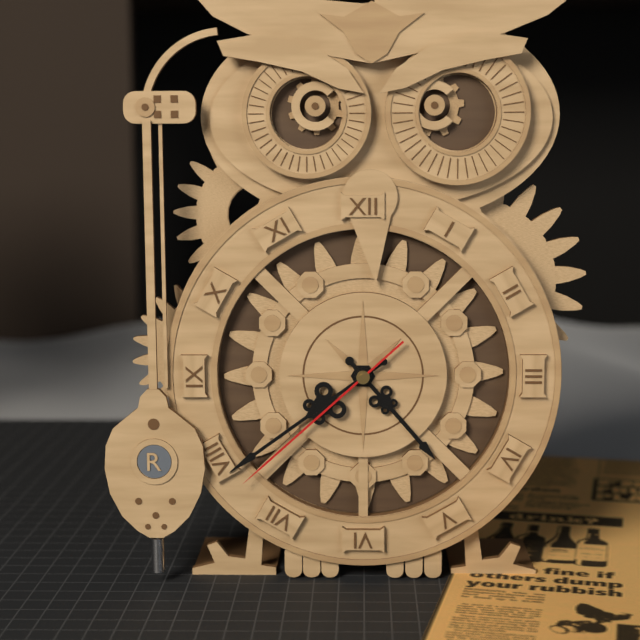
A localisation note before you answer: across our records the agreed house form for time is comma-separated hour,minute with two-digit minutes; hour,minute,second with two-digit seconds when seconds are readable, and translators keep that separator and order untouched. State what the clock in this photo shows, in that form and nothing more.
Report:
4,39,38
